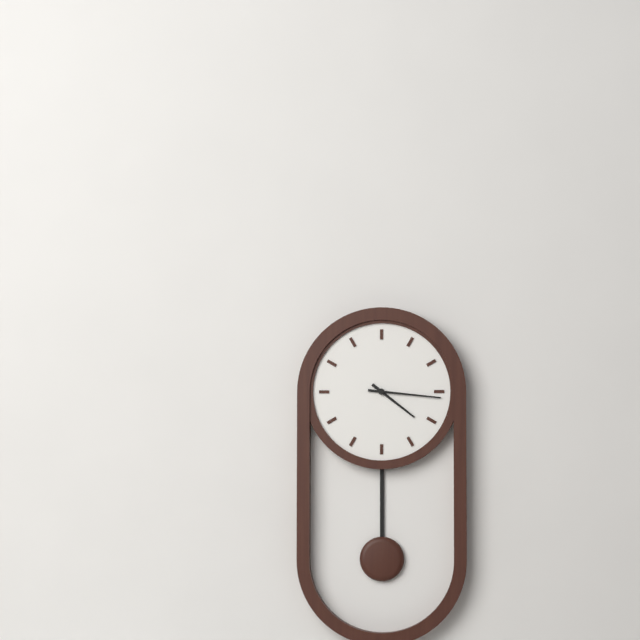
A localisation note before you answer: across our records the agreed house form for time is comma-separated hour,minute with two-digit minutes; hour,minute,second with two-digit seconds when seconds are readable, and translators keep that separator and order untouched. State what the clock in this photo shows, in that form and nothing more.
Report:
4,16
